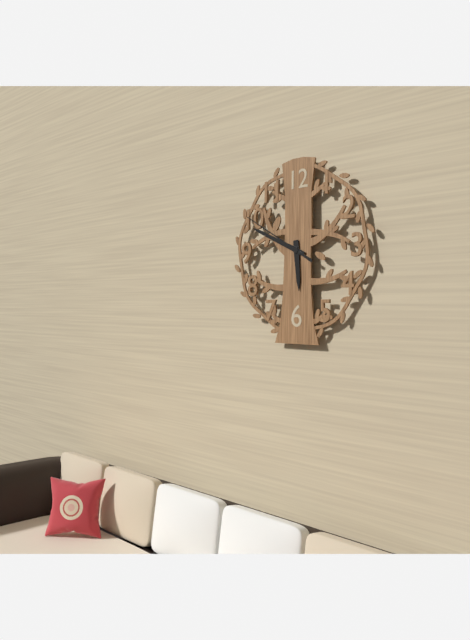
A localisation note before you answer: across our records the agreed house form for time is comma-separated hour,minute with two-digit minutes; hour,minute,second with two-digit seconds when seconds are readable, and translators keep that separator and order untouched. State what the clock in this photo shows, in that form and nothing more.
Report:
5,49,50
